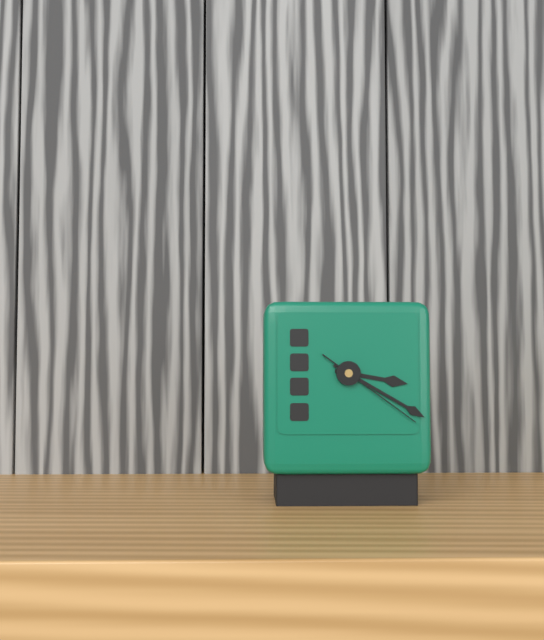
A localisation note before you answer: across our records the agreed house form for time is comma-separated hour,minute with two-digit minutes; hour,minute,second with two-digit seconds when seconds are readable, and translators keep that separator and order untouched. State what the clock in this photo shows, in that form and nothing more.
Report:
3,20,21
